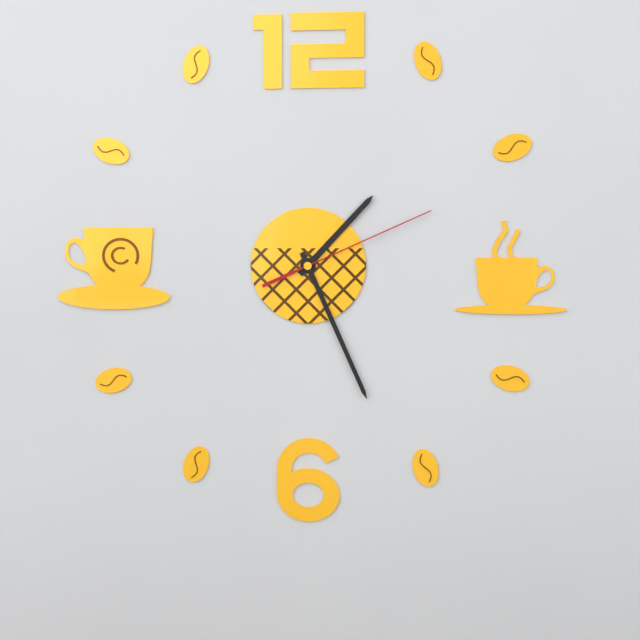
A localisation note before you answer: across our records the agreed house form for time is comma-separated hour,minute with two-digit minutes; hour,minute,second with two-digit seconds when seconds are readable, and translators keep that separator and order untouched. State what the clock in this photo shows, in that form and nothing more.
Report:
1,26,11
